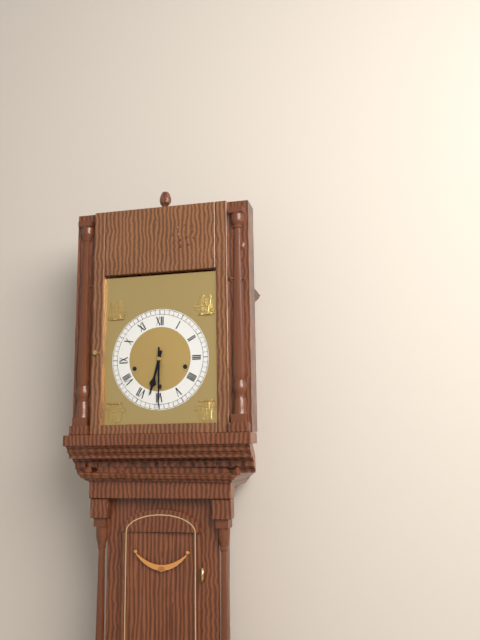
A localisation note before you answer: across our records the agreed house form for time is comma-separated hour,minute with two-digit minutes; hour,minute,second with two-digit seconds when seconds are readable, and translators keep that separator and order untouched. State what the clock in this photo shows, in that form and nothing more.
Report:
6,30
